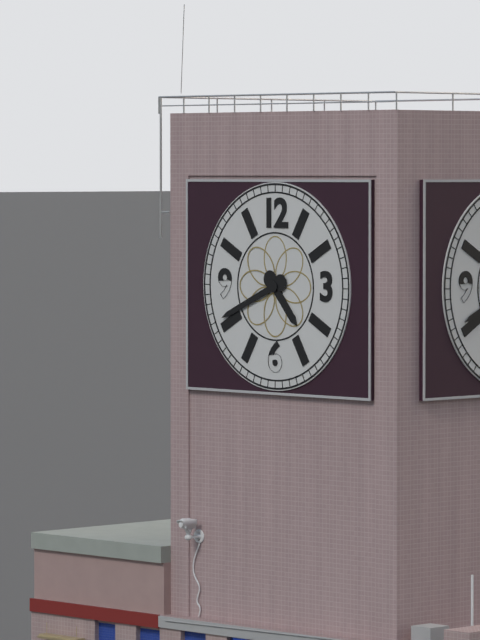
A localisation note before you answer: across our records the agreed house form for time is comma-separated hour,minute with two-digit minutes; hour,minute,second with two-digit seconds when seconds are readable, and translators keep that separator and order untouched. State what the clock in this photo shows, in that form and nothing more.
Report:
4,41
